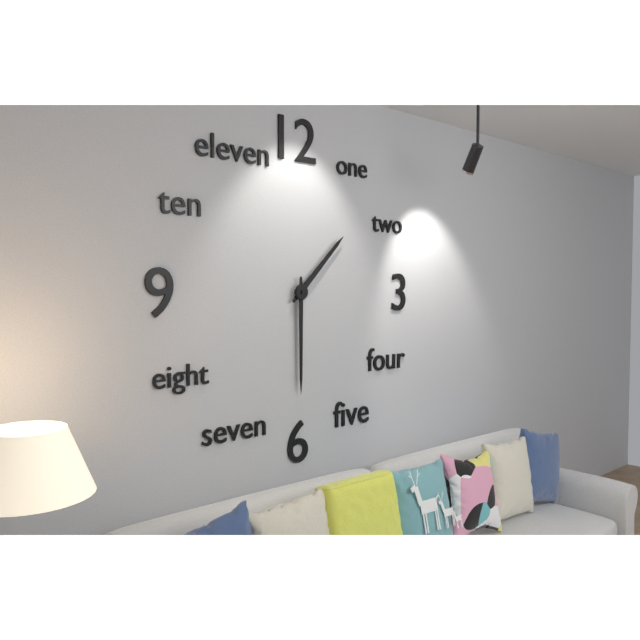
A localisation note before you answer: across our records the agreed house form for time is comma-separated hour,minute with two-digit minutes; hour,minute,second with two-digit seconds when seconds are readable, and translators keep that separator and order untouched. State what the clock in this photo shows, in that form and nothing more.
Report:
1,30
